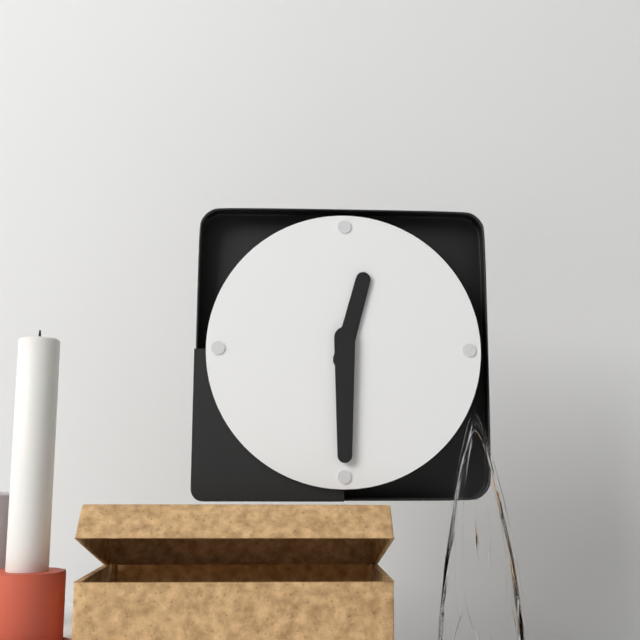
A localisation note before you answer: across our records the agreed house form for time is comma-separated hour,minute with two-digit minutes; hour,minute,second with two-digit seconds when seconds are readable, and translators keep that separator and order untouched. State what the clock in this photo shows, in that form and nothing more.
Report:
12,30
